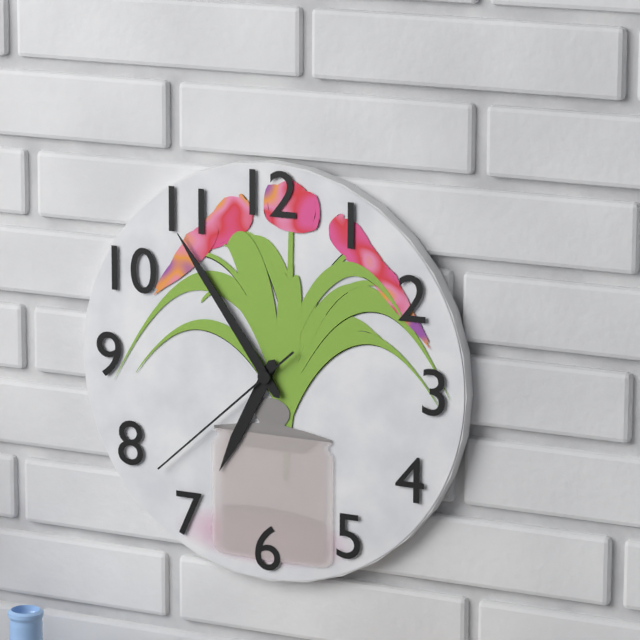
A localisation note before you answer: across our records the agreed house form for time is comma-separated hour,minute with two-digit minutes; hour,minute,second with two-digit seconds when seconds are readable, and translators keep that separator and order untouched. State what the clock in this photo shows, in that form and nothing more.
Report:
6,54,38
